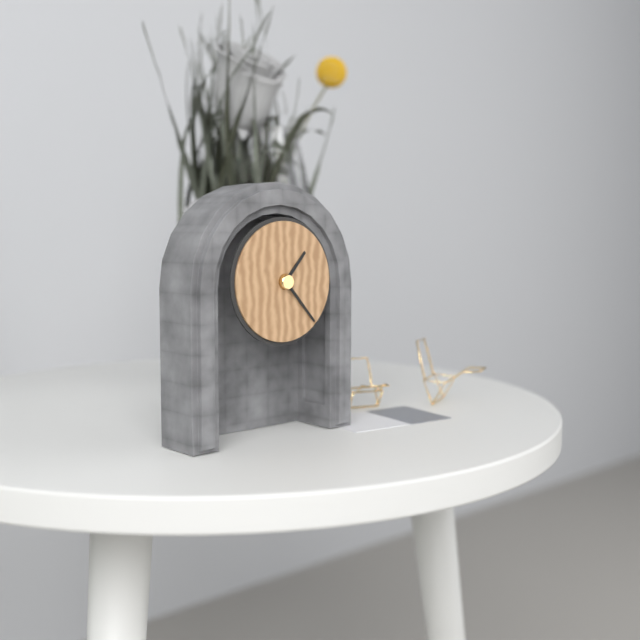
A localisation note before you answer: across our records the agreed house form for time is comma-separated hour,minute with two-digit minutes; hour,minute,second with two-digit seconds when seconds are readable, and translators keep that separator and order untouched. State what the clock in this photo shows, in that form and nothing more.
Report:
1,23
